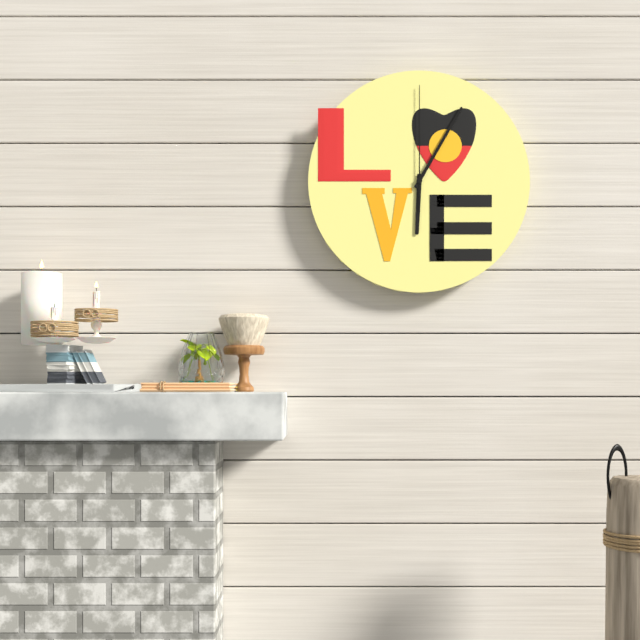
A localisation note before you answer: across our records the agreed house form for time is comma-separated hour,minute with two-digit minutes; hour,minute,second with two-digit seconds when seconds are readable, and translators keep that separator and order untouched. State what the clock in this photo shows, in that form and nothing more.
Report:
6,05,00
